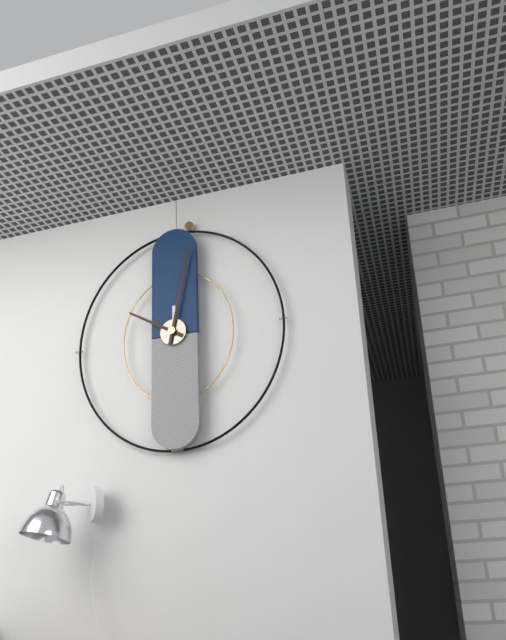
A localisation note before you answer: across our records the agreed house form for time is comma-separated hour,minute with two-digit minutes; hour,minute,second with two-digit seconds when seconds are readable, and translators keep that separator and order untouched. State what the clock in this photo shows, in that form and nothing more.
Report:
10,02
